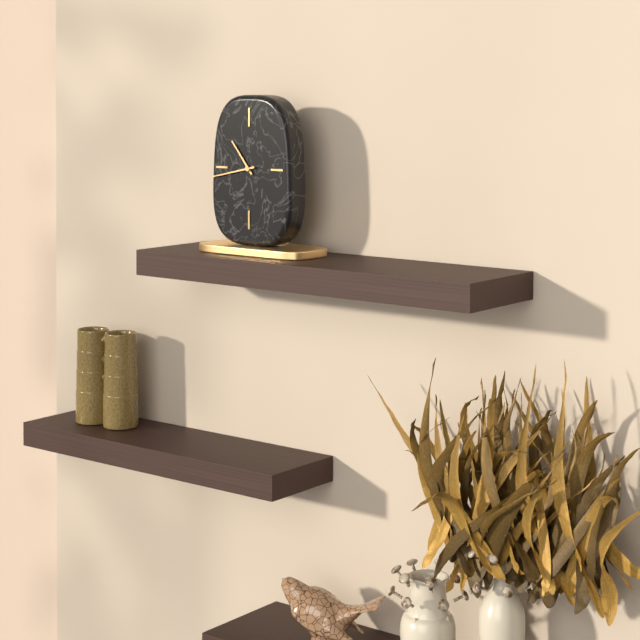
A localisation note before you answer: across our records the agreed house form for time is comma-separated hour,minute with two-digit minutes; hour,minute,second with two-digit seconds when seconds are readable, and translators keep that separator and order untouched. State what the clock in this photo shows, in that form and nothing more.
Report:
10,43
